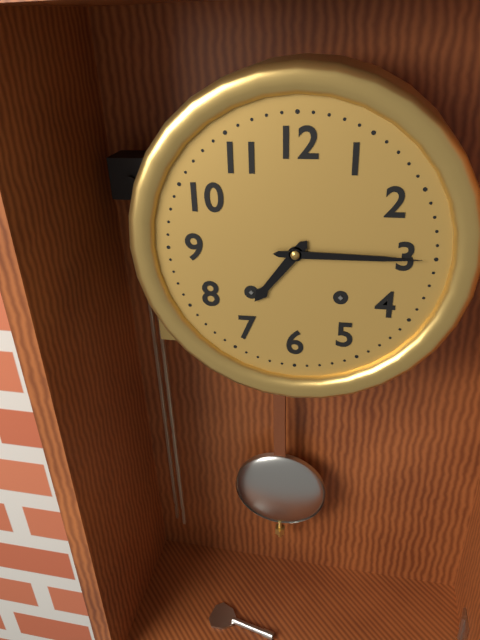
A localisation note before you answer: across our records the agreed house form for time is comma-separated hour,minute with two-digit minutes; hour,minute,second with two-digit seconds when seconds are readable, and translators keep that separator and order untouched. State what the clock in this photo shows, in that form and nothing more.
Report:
7,15
